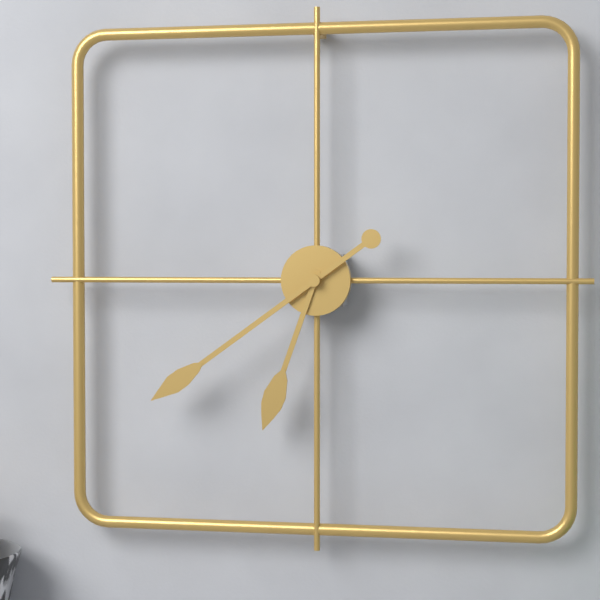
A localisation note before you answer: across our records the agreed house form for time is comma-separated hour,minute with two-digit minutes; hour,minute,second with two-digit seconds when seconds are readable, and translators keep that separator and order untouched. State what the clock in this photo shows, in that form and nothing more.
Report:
6,39
